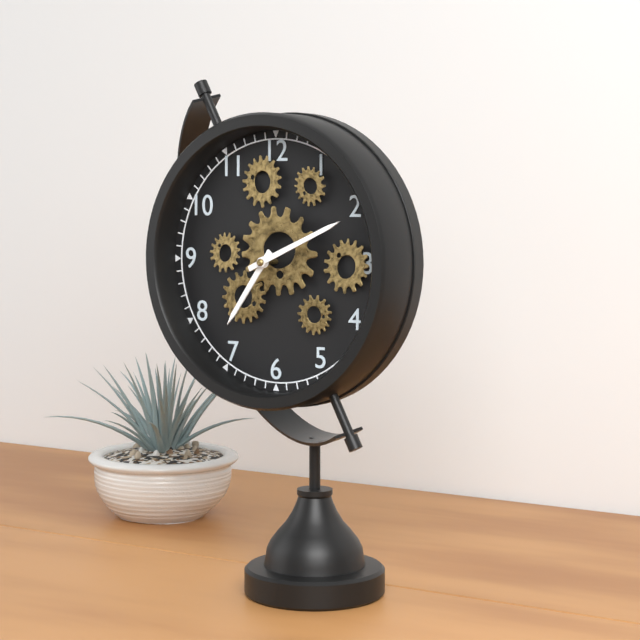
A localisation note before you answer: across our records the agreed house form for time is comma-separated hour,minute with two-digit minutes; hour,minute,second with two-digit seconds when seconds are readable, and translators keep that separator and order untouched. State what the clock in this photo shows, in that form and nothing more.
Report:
7,11
